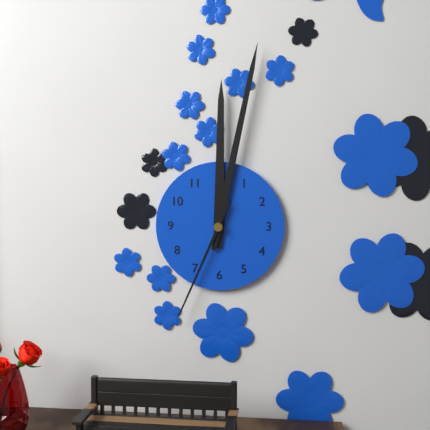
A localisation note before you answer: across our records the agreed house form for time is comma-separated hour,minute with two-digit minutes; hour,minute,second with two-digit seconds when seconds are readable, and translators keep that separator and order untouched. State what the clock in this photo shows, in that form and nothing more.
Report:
12,02,34
